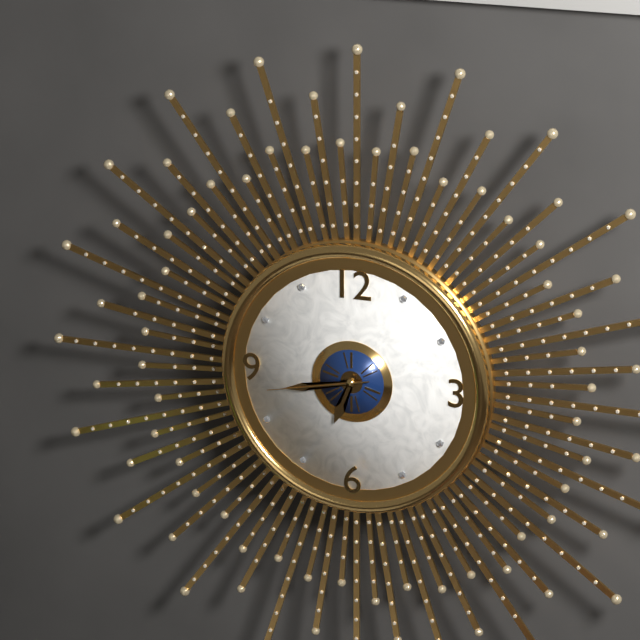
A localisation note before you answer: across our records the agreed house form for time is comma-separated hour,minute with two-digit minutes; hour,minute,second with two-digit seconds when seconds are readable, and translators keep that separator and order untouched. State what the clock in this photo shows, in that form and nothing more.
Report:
6,43,43
